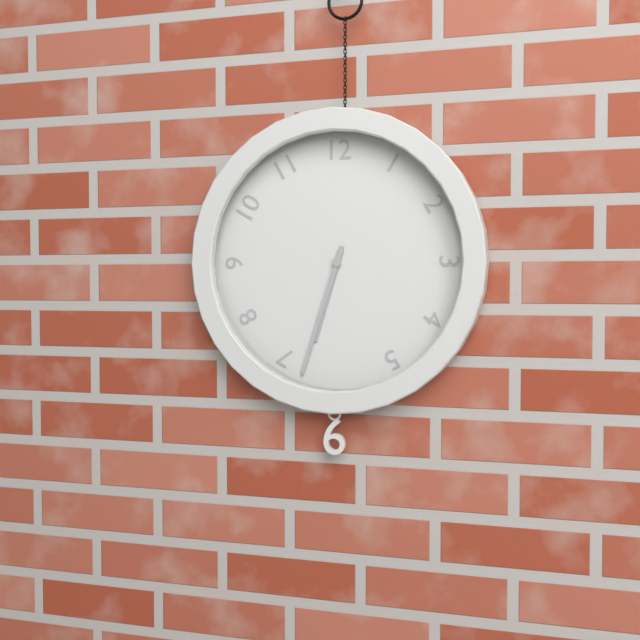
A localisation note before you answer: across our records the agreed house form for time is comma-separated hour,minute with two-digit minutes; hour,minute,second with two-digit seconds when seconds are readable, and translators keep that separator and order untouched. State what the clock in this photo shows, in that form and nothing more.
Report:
6,33
